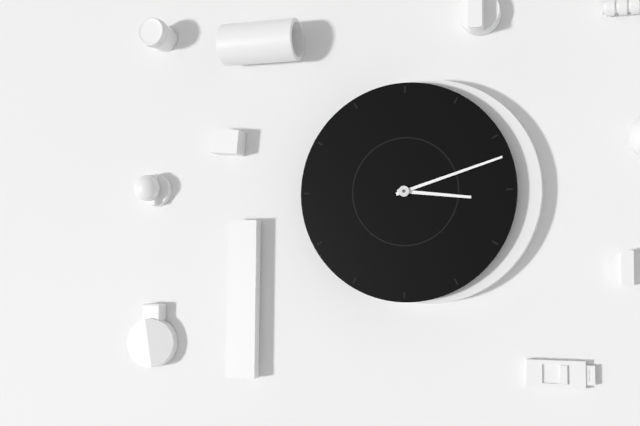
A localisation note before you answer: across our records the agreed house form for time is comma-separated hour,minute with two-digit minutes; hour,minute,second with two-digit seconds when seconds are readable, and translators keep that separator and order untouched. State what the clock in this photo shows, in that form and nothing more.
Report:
3,12
